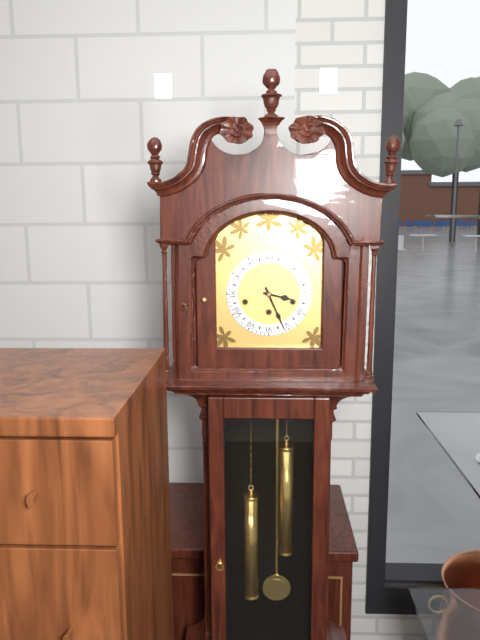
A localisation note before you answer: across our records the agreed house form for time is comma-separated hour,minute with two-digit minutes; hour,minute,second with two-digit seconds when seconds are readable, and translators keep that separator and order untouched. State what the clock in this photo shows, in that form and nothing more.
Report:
3,26
